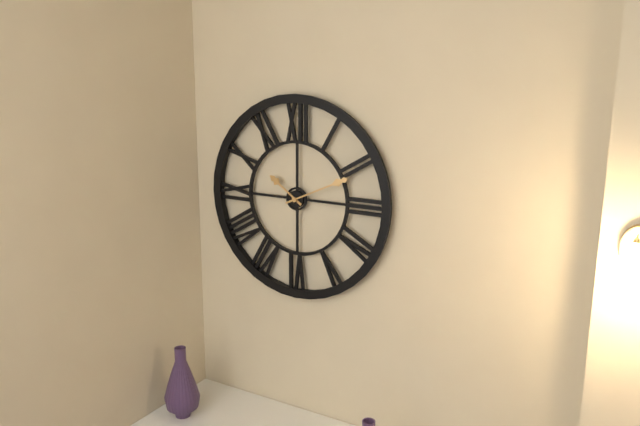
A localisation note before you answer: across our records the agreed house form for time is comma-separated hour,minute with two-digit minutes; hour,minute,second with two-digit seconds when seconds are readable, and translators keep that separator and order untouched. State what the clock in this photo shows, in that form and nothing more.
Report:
10,11
